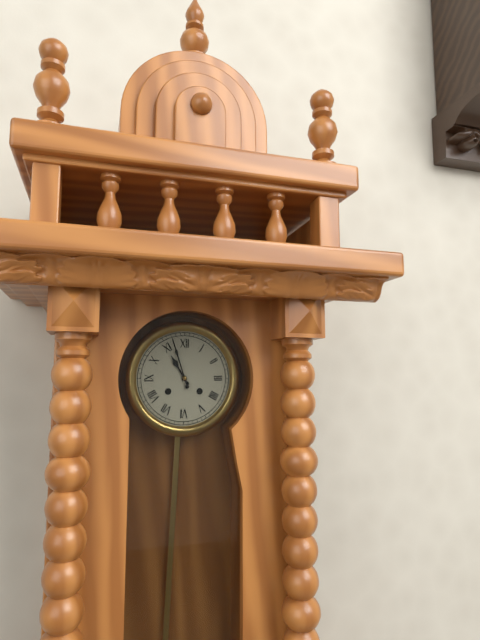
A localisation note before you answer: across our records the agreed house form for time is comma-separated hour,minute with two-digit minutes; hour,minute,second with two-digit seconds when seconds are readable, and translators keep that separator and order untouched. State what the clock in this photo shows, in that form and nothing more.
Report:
10,57
